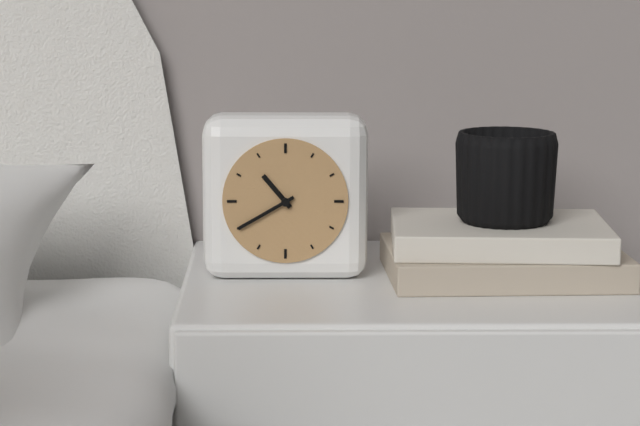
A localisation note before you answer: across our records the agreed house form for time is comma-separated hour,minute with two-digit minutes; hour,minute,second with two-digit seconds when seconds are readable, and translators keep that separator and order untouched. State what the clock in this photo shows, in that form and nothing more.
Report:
10,40
